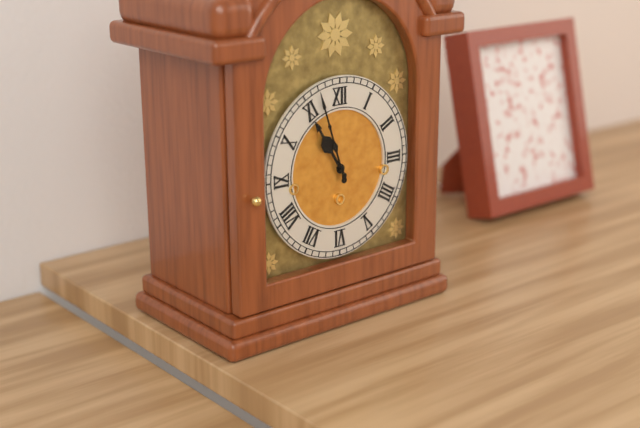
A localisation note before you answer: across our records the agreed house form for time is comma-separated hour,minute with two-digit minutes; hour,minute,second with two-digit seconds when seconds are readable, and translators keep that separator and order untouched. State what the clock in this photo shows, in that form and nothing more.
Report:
10,57
